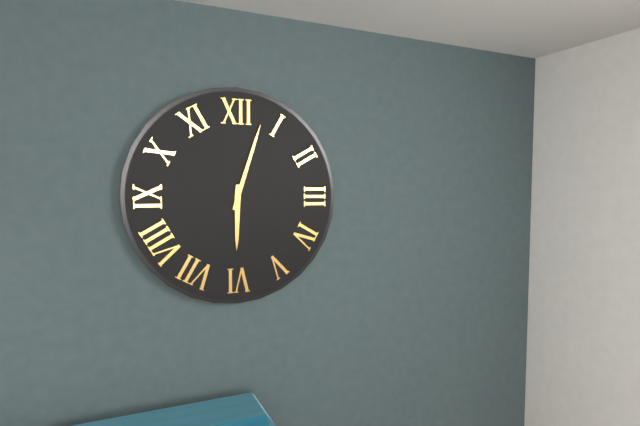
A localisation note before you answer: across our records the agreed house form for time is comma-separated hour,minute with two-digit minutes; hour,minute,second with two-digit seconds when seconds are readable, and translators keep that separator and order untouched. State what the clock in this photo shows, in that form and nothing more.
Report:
6,03
